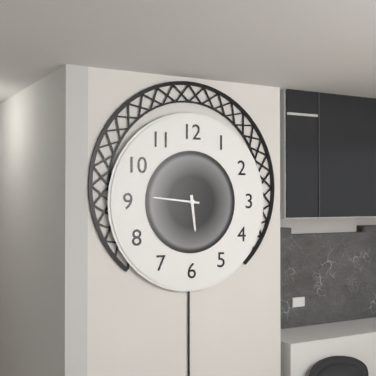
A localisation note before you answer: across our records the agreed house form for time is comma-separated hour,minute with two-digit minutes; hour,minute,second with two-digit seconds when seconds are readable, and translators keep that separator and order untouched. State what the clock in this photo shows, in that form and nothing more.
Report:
5,46
